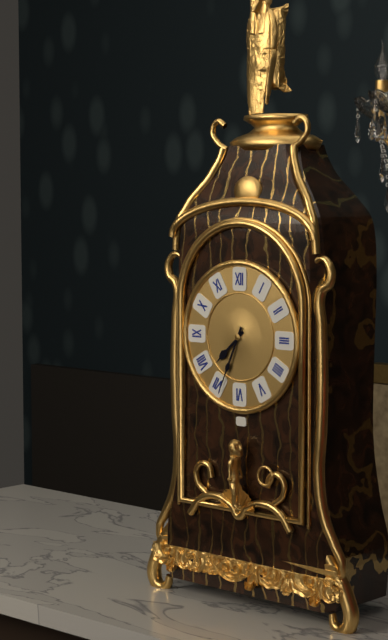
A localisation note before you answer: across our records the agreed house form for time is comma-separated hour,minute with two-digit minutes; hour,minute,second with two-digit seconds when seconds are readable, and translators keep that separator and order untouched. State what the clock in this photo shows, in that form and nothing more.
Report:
7,34
